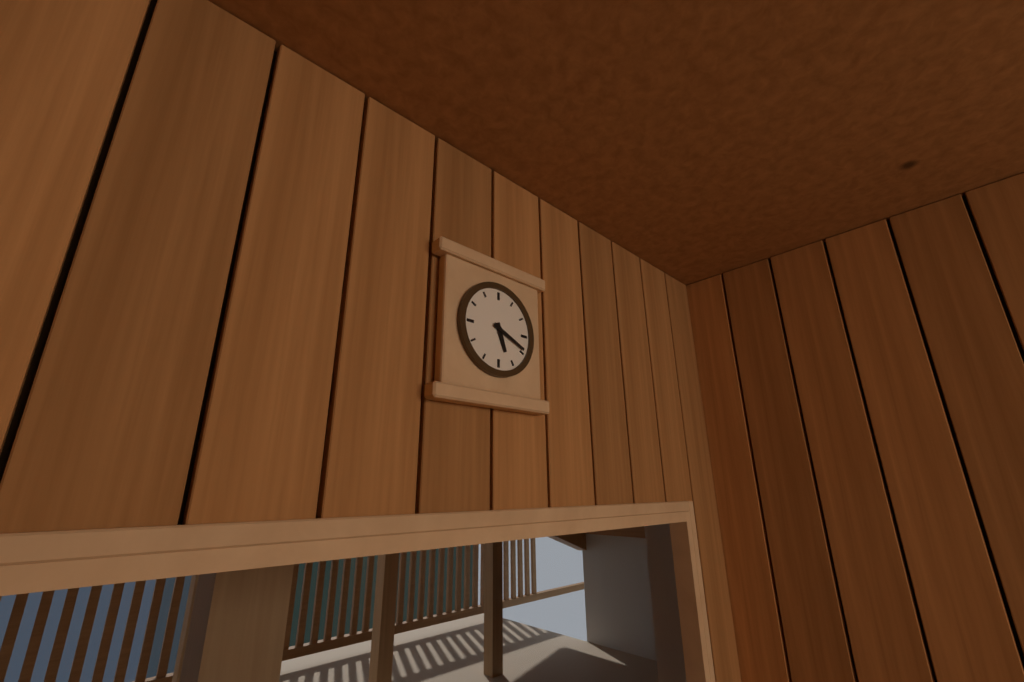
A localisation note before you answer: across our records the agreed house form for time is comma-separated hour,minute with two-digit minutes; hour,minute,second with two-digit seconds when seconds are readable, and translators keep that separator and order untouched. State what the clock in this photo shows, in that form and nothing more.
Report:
5,19
